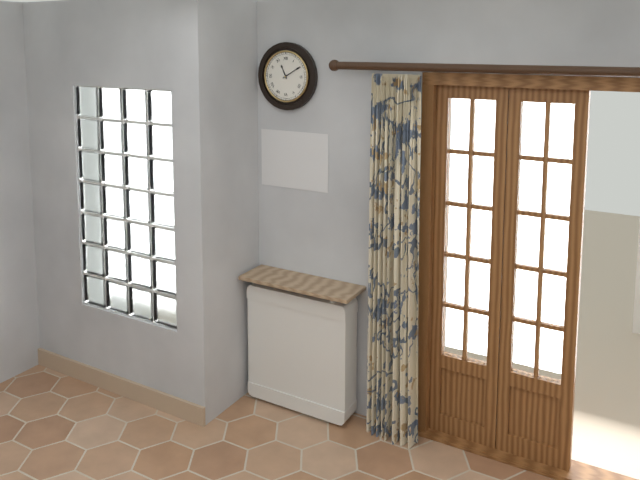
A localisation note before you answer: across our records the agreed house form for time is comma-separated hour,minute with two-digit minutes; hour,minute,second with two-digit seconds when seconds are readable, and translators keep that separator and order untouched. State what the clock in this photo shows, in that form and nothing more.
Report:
11,10
